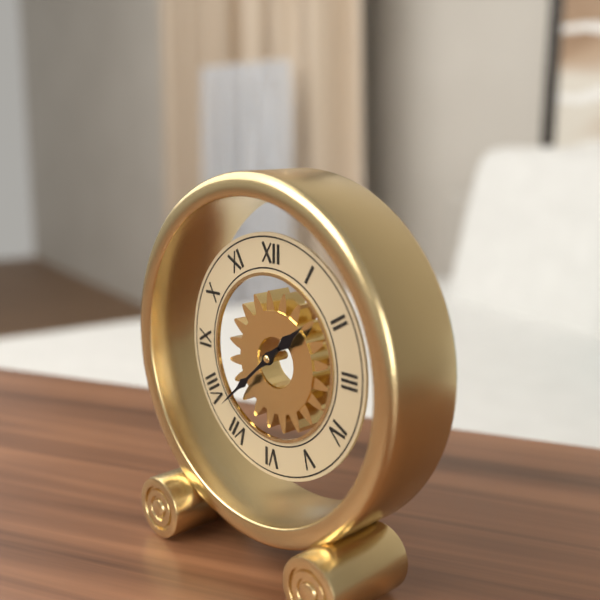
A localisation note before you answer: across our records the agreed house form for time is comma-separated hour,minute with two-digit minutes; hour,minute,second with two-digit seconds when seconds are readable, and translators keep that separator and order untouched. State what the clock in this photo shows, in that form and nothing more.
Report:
1,38
